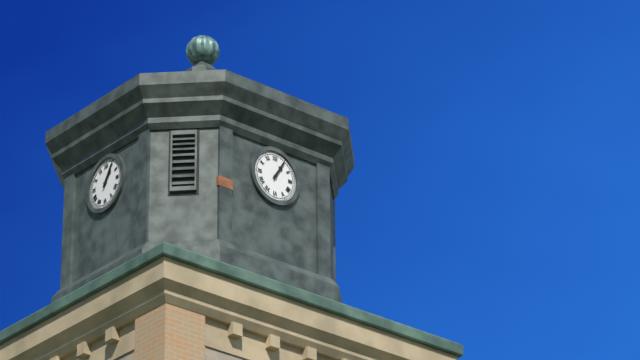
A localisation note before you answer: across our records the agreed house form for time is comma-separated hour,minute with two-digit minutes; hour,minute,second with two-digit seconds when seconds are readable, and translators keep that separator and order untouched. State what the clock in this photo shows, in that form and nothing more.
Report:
1,05
